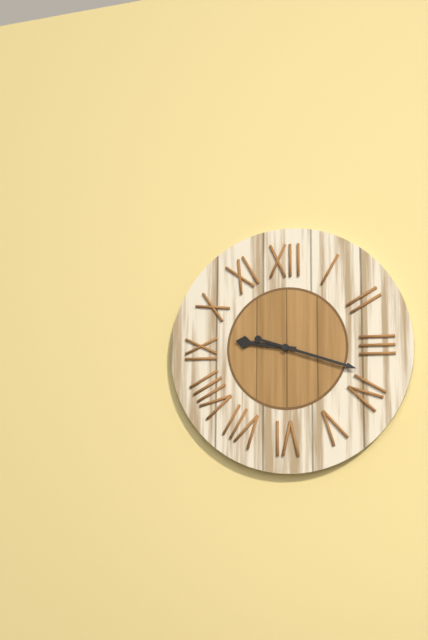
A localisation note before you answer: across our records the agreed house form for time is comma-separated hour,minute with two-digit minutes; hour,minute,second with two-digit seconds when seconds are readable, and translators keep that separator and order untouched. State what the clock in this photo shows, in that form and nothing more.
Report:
9,18
